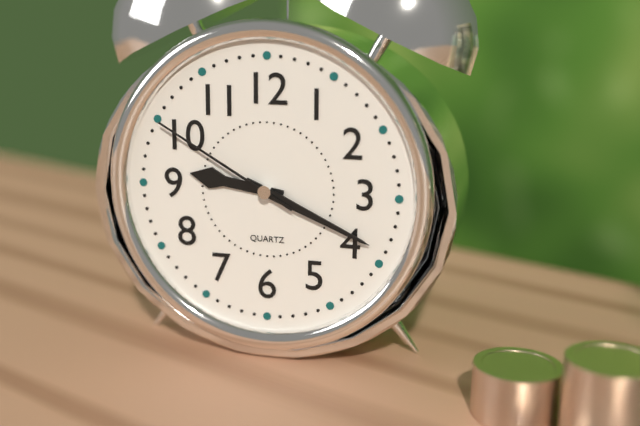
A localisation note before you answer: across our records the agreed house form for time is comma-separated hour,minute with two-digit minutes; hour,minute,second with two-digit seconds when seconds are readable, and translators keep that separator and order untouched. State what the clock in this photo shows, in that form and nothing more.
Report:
9,19,50
